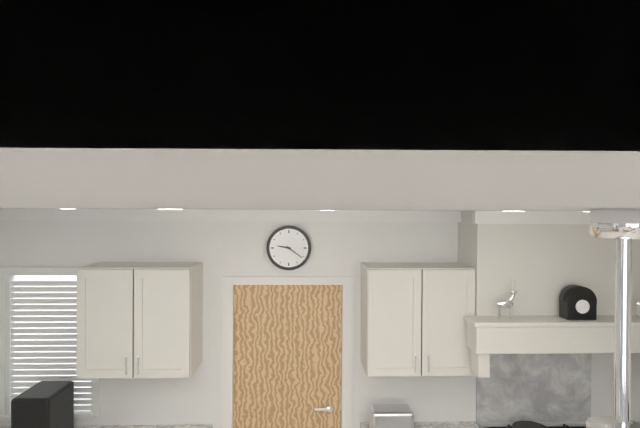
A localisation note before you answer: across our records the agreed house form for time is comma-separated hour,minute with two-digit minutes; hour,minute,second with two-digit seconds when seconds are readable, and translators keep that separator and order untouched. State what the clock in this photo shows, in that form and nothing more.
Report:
9,21
